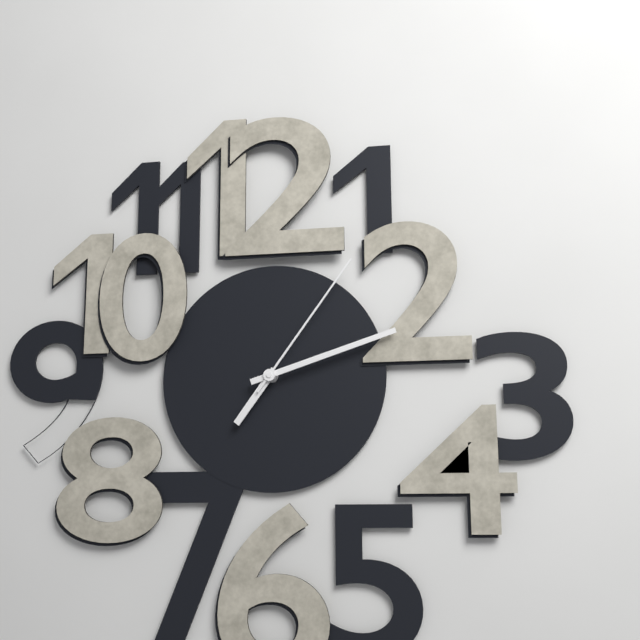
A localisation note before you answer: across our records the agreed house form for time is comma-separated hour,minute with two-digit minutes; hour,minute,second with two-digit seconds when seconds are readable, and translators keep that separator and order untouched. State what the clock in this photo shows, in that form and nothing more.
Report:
7,12,06
